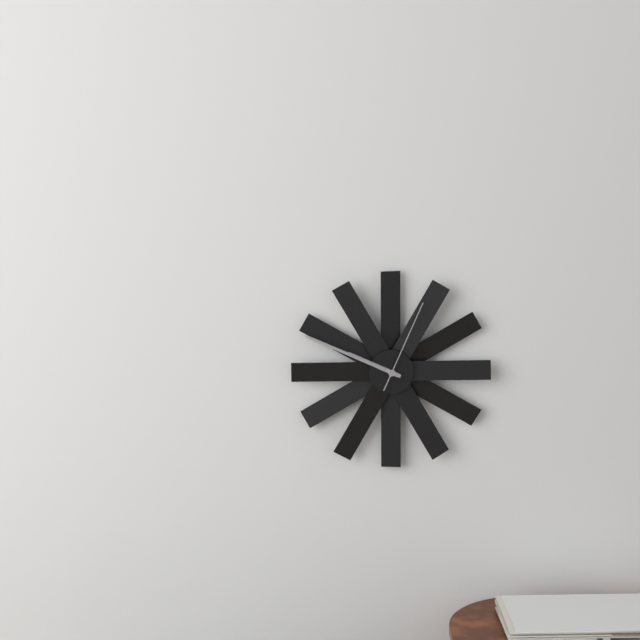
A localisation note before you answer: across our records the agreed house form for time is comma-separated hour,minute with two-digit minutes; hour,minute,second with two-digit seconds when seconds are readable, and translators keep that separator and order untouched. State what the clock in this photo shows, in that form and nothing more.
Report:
9,49,04
